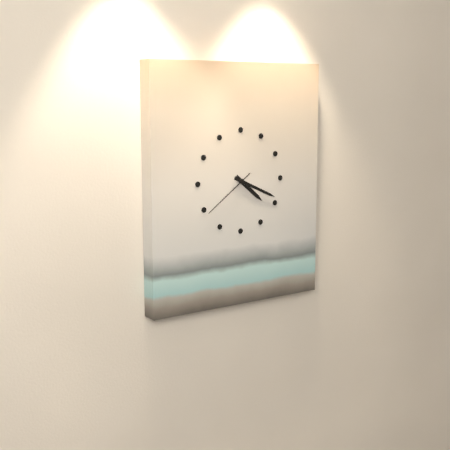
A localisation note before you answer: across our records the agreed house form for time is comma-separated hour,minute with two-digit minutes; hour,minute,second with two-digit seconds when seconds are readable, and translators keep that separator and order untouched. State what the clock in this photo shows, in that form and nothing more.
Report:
4,19,39
